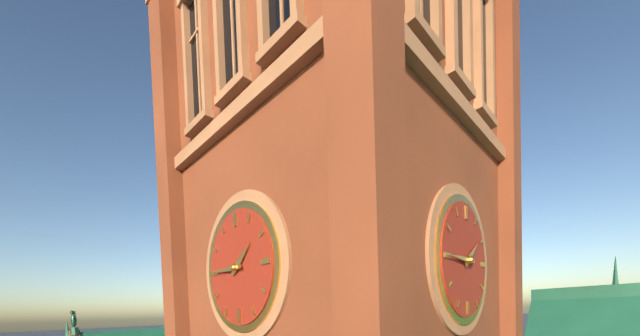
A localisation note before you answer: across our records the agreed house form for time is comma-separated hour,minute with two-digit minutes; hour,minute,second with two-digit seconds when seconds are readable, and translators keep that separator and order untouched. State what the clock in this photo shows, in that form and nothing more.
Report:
1,45
